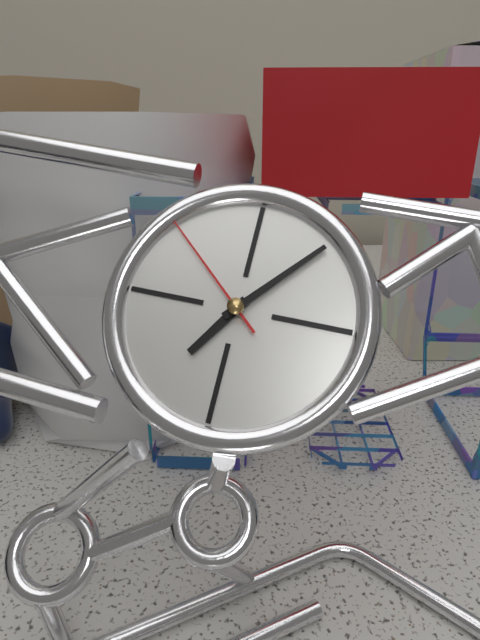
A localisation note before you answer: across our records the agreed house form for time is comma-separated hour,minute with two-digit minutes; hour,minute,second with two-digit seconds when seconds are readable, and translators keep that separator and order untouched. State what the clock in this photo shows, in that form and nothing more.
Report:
7,07,52
